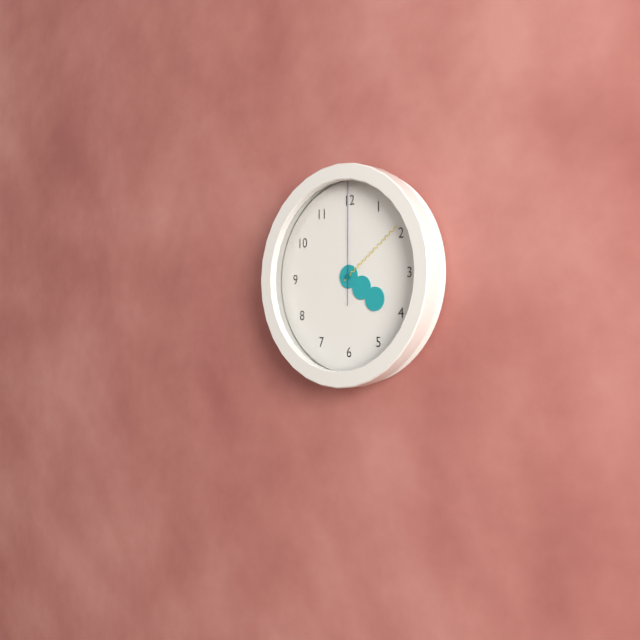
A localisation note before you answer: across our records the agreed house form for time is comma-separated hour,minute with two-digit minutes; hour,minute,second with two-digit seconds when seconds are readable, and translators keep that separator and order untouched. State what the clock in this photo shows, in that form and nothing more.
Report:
4,09,00
